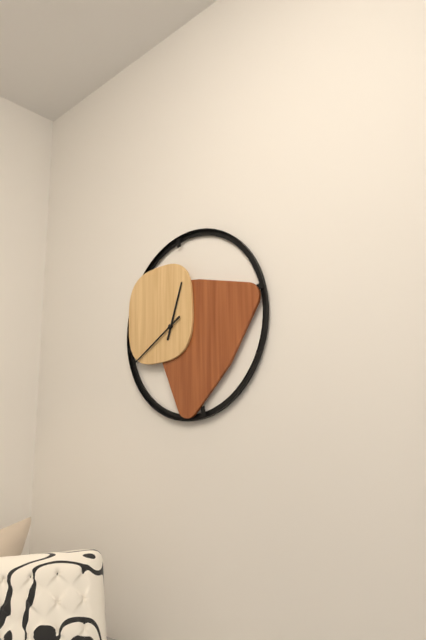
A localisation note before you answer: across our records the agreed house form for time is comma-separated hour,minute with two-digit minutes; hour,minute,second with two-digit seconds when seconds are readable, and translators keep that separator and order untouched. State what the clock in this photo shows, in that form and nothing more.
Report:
12,40
